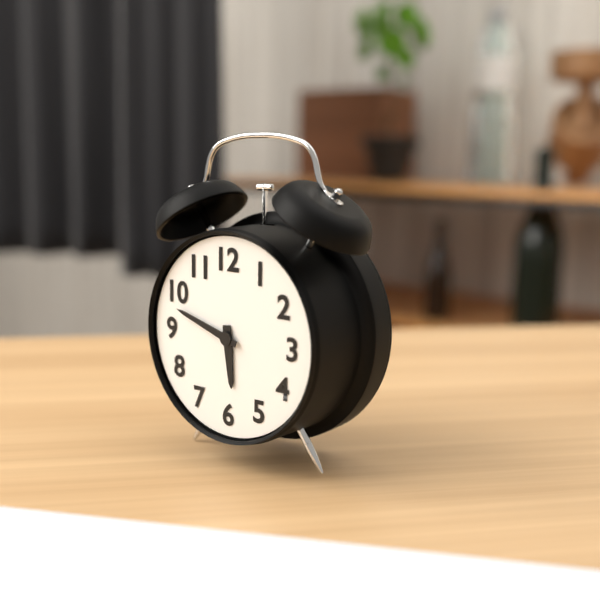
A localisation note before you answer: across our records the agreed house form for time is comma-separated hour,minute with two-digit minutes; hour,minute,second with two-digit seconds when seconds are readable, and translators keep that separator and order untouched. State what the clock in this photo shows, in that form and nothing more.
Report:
5,48
